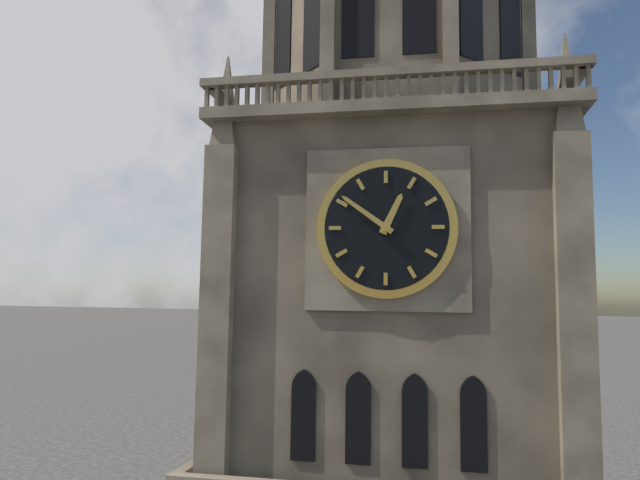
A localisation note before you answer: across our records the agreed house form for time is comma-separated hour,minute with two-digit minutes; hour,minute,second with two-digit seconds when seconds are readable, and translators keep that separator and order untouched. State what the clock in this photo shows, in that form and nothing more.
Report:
12,51
